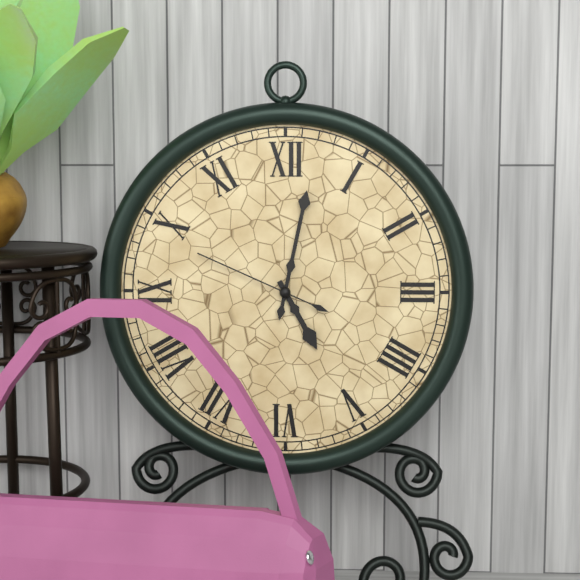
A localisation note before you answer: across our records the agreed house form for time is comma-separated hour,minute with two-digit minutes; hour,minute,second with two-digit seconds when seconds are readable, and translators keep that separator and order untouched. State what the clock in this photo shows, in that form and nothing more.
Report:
5,02,49
